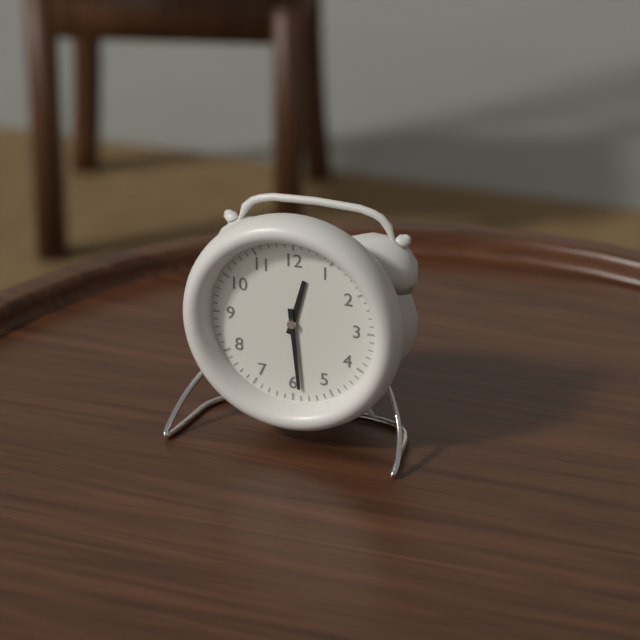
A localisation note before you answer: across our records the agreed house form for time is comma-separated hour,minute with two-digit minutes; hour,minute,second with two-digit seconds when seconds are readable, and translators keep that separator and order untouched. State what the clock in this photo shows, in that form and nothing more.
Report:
12,29
